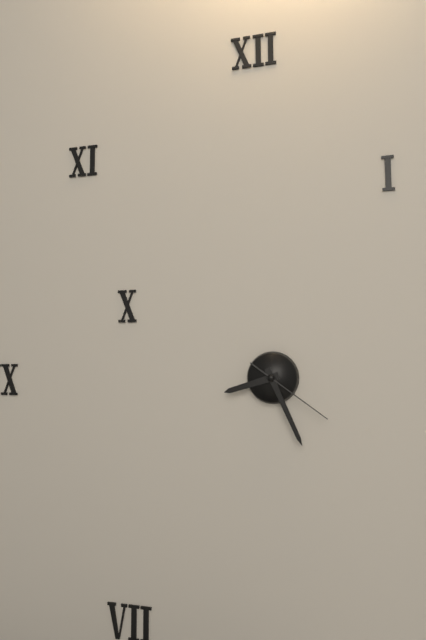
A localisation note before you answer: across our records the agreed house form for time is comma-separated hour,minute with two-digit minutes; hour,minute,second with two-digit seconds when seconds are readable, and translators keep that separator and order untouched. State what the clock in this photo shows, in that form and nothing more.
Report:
8,26,21
